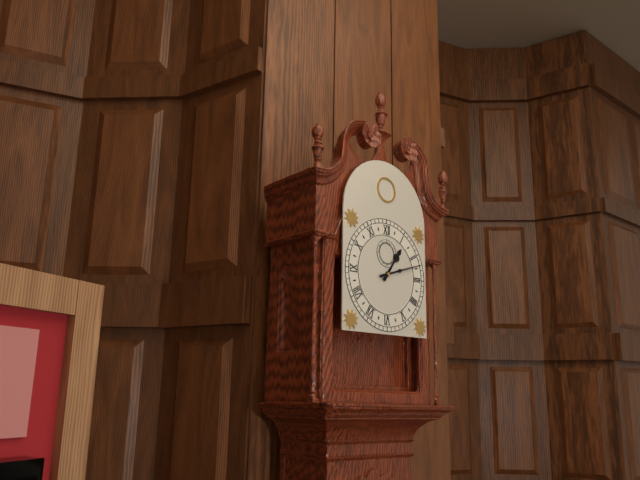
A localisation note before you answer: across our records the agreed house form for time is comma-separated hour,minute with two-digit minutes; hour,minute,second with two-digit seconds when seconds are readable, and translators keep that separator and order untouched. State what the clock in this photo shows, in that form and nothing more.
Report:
1,12
